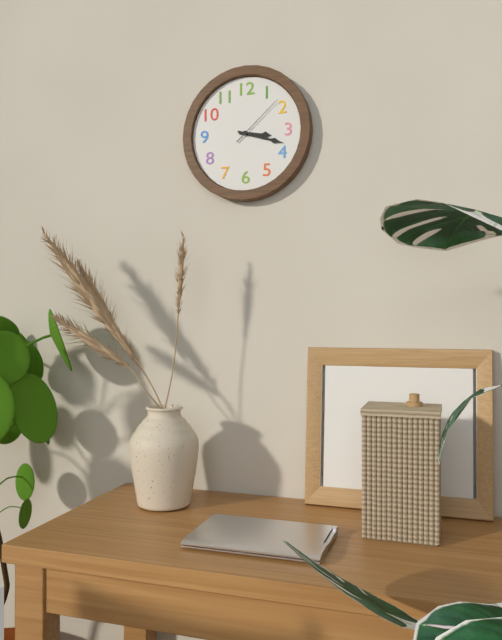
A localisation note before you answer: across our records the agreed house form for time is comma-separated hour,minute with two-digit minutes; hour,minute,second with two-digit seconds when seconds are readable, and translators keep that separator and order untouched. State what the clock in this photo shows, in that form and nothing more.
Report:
3,18,08
